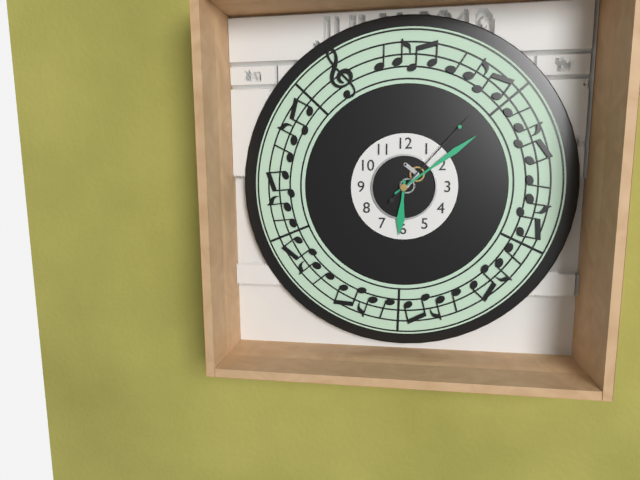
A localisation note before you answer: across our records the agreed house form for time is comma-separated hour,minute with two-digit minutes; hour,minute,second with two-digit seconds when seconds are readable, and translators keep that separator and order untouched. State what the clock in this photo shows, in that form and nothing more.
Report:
6,09,07
